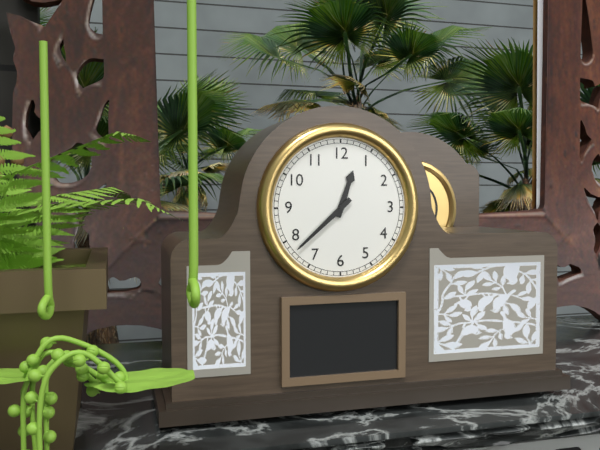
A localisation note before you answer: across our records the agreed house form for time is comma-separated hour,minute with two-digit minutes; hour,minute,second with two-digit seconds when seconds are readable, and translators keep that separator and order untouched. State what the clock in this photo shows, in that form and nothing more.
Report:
12,38
